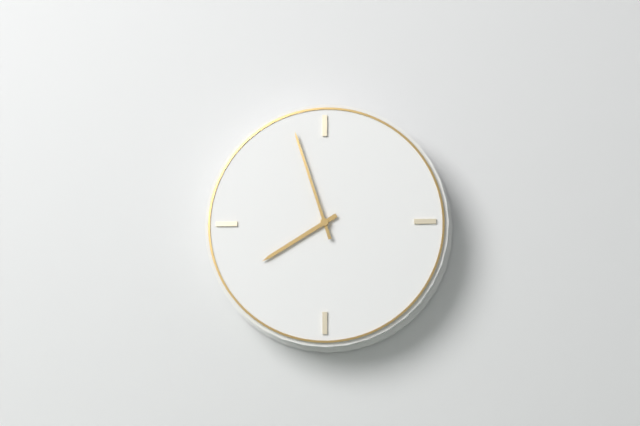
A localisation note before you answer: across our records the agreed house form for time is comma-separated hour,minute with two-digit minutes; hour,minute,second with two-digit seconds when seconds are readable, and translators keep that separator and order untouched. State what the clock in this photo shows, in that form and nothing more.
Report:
7,57
